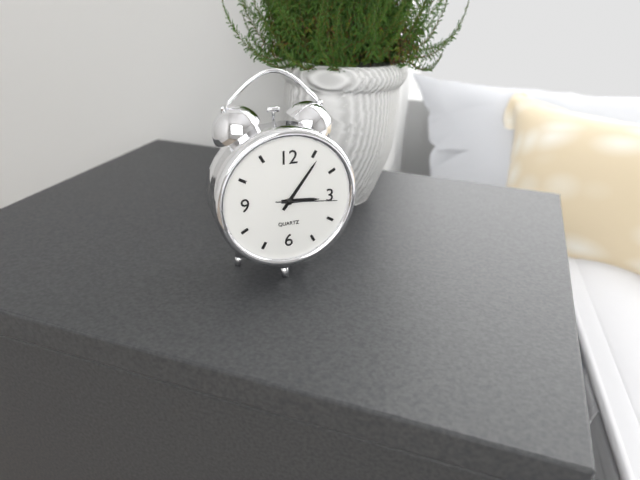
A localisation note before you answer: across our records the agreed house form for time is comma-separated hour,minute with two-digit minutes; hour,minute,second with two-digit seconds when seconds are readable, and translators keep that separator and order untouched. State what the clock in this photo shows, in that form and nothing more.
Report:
3,06,16
